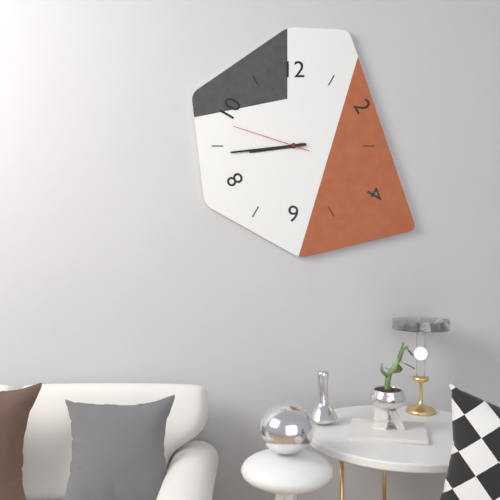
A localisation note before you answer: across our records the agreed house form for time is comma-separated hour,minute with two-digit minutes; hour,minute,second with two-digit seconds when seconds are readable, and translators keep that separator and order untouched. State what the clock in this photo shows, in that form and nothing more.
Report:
8,44,48
